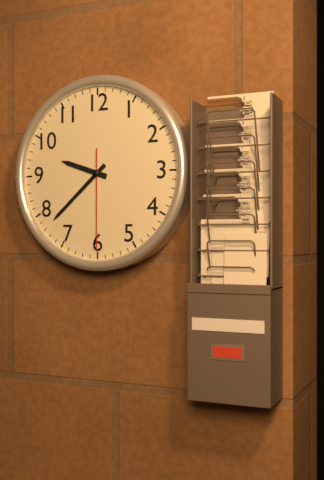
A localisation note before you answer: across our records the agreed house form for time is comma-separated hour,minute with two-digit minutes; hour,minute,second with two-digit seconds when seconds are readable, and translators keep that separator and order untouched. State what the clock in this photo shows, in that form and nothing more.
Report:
9,38,30
